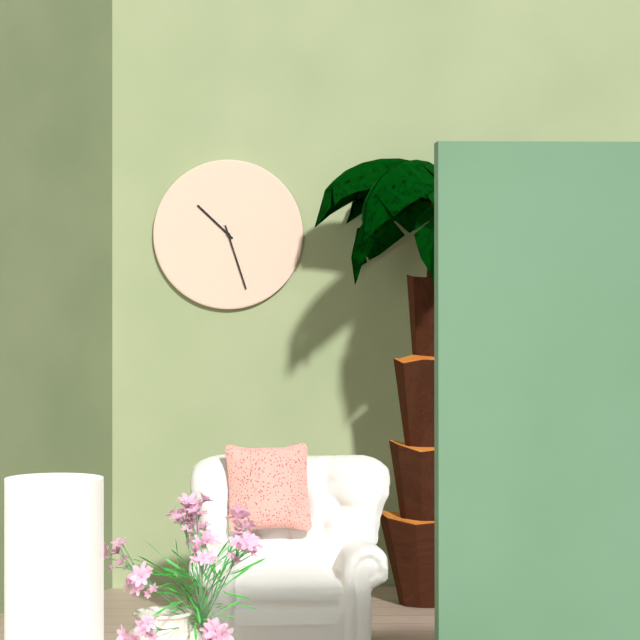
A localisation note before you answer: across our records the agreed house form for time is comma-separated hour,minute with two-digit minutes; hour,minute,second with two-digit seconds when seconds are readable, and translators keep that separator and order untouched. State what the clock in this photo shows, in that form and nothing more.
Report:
10,27
